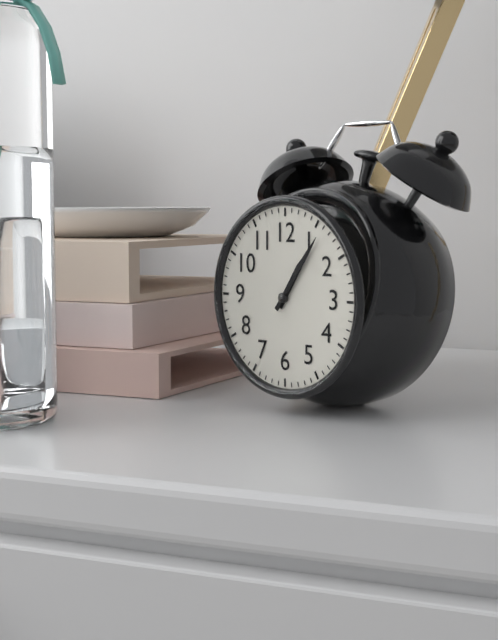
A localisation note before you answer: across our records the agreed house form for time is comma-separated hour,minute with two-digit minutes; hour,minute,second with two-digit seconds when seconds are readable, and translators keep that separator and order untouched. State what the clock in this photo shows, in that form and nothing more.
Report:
1,06
